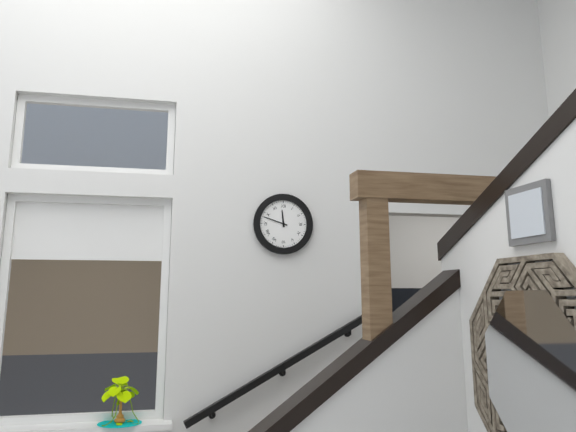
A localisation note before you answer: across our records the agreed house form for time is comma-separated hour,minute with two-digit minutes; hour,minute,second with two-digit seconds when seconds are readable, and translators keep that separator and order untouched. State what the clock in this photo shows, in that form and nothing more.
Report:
11,48
